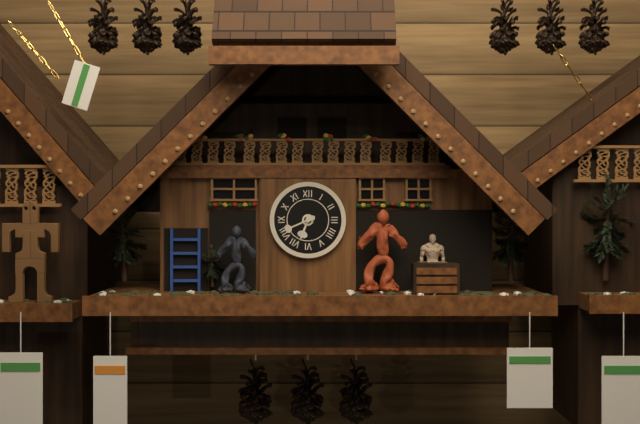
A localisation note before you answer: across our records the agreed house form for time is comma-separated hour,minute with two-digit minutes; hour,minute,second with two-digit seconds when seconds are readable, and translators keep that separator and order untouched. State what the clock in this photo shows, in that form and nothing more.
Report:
6,41
